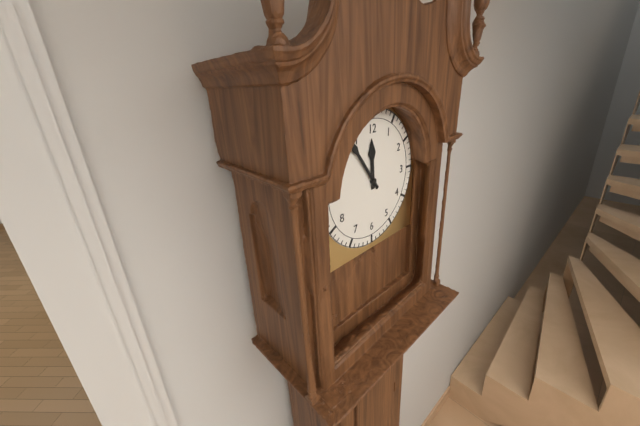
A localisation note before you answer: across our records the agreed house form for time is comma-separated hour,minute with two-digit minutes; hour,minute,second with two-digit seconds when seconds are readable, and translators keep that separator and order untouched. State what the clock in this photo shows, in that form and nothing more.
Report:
11,54
